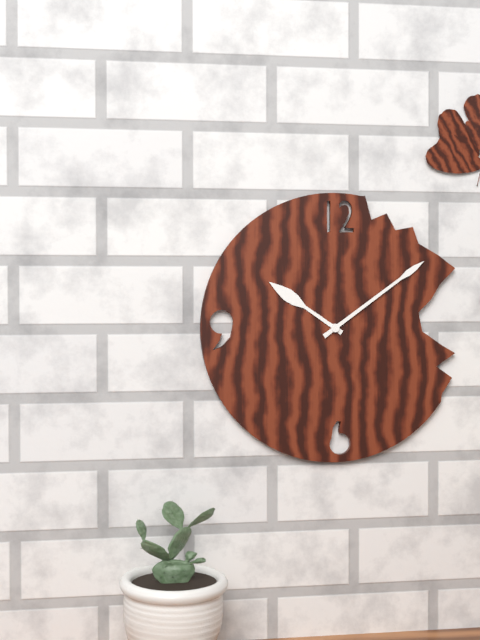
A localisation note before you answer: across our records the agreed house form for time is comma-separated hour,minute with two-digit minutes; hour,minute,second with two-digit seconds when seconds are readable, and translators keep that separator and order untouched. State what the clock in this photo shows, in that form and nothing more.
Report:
10,09
